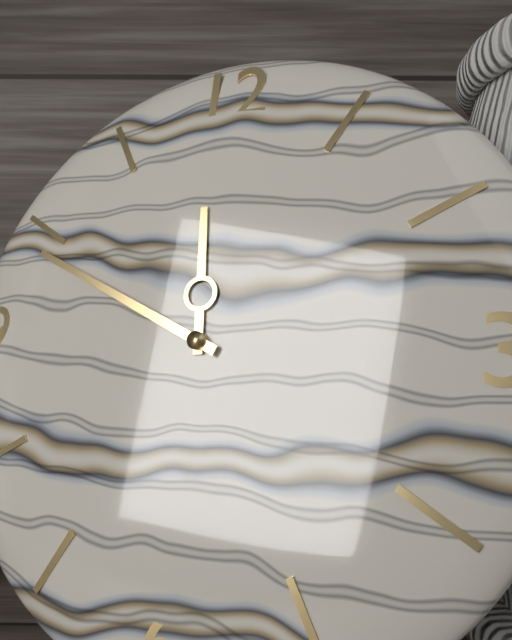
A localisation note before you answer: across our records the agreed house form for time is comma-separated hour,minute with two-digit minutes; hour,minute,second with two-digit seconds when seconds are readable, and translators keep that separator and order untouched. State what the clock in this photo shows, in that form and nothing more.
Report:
11,49
